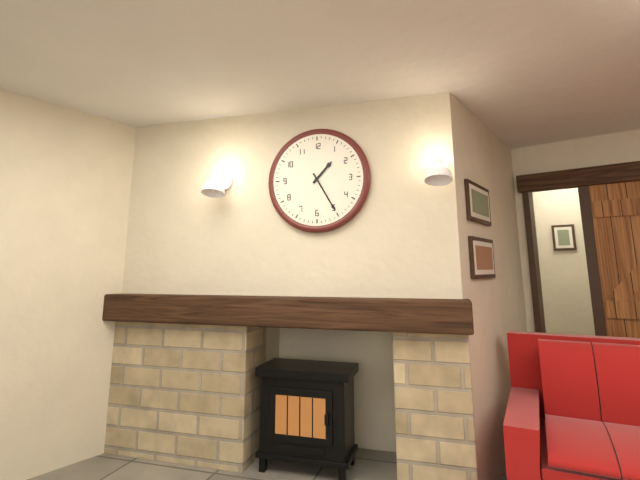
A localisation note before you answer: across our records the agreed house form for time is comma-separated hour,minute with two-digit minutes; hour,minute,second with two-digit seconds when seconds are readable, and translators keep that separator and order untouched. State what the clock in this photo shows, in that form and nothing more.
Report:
1,25
